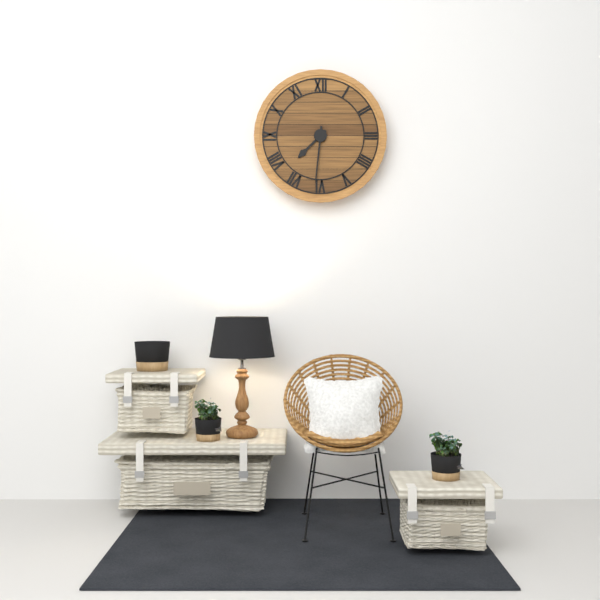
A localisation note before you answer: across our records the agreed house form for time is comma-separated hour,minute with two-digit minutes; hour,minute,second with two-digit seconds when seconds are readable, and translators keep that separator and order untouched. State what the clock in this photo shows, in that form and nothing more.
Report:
7,31
